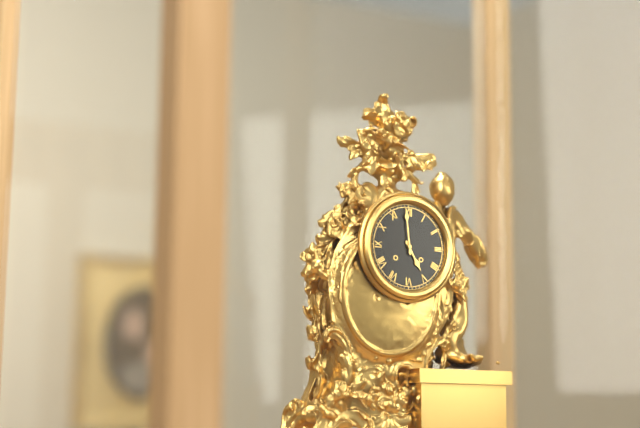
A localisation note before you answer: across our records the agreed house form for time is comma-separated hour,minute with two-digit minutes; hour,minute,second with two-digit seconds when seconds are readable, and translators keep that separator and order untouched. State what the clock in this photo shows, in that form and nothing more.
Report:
4,59
